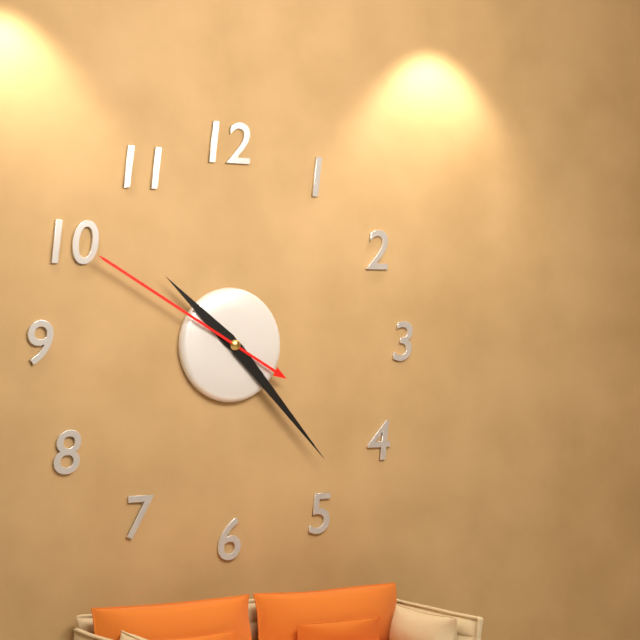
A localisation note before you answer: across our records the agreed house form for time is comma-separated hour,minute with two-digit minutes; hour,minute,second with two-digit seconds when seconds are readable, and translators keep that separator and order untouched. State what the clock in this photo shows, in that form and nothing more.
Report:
10,23,50
